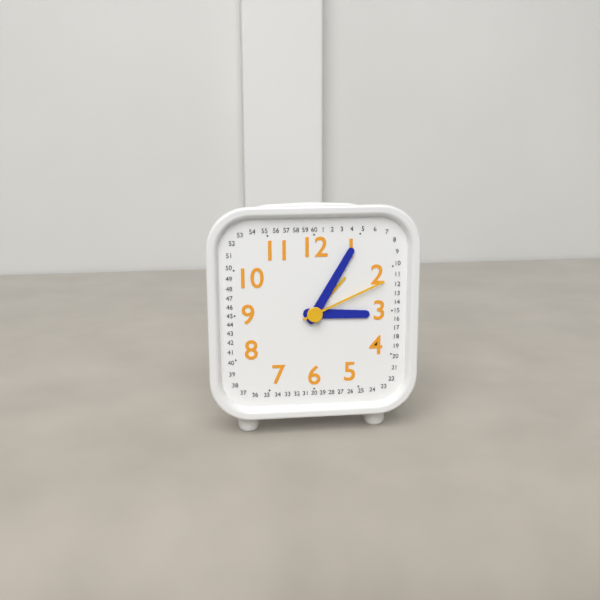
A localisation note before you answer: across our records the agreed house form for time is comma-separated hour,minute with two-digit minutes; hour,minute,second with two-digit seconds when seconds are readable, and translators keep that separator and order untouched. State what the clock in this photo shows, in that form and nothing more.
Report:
3,05,11
